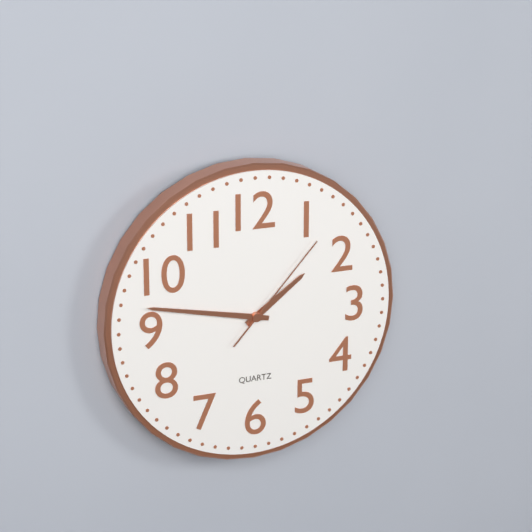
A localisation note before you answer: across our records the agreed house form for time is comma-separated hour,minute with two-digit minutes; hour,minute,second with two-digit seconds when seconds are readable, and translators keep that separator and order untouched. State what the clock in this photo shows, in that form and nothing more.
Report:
1,47,07
